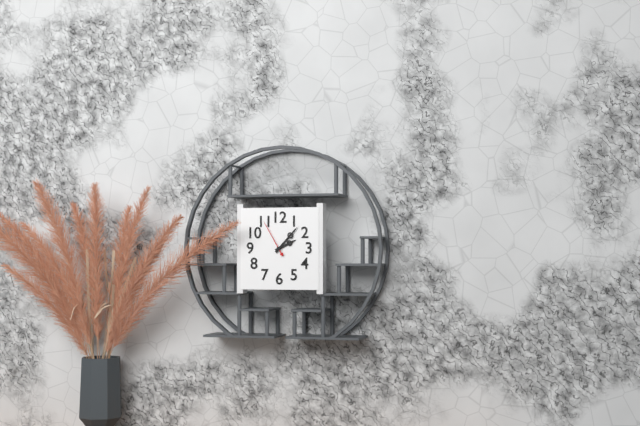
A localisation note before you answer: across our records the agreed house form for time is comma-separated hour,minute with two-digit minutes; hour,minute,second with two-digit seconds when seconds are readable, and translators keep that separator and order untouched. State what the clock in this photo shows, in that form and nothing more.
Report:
2,07
